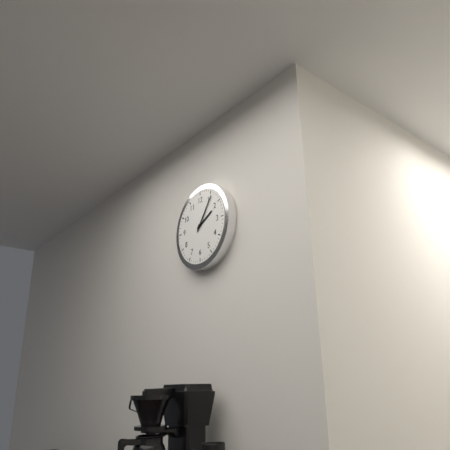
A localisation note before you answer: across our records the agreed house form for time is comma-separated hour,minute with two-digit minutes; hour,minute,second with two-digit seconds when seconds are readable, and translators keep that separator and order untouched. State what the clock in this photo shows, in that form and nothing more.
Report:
2,06
